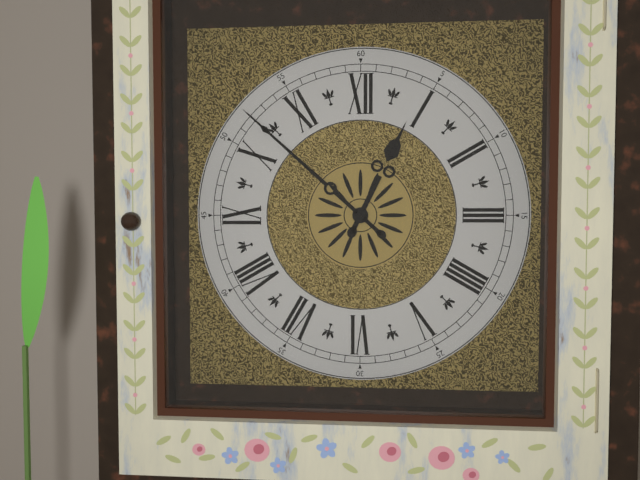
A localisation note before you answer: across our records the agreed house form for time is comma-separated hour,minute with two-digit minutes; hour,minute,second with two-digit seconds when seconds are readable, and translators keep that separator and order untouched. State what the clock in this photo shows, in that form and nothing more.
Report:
12,52
